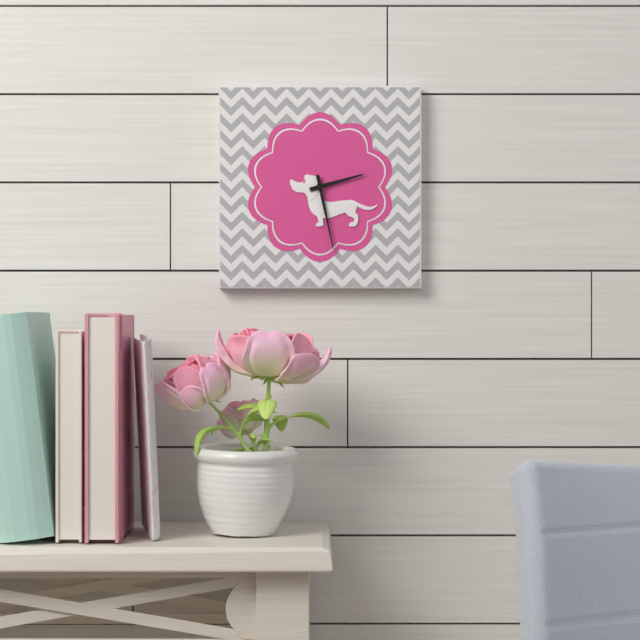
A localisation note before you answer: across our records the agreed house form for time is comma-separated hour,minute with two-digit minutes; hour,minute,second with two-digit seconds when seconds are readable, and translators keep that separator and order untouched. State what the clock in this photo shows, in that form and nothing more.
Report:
2,28
